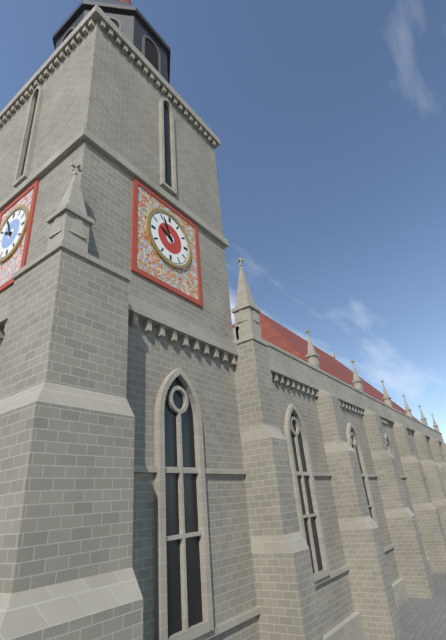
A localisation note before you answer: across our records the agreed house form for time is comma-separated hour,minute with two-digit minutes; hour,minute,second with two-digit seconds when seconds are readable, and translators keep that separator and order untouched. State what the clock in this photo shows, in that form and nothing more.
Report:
9,56
